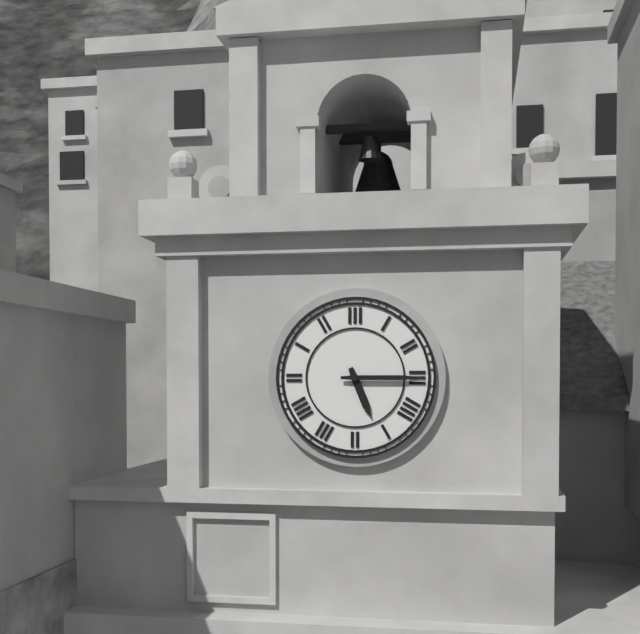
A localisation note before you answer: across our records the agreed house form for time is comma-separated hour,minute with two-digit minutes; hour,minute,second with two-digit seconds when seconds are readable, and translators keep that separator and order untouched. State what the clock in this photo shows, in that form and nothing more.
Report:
5,15
